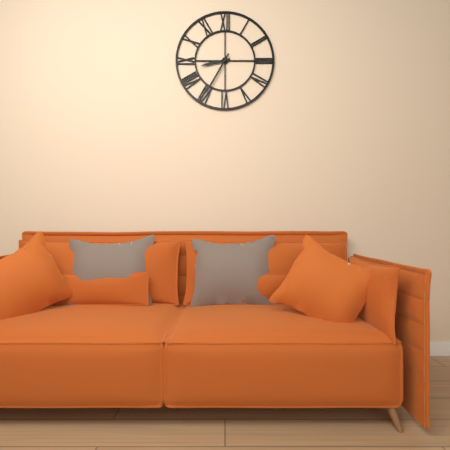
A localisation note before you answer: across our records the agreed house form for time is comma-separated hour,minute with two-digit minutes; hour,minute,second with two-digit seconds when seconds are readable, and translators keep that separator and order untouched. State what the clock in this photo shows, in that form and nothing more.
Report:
8,35
